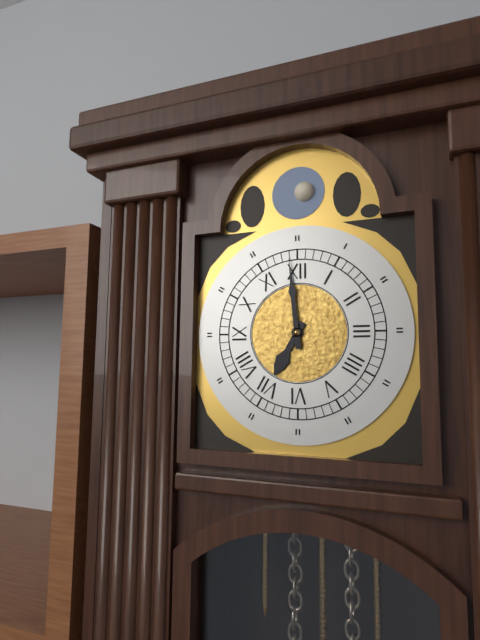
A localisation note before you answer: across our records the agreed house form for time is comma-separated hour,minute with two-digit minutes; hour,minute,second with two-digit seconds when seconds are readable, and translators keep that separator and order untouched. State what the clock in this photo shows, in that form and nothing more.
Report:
6,59
